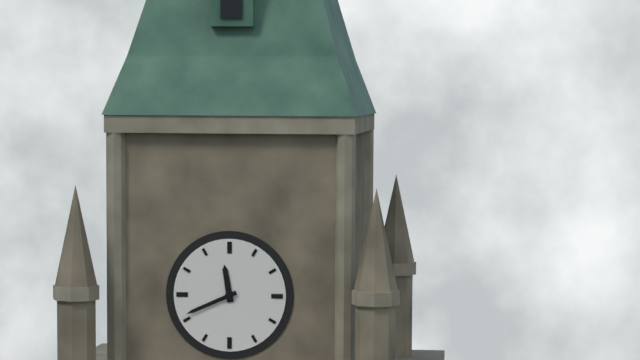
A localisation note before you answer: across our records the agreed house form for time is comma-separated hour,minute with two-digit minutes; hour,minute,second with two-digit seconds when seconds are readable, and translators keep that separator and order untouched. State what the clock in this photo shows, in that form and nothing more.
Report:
11,41
